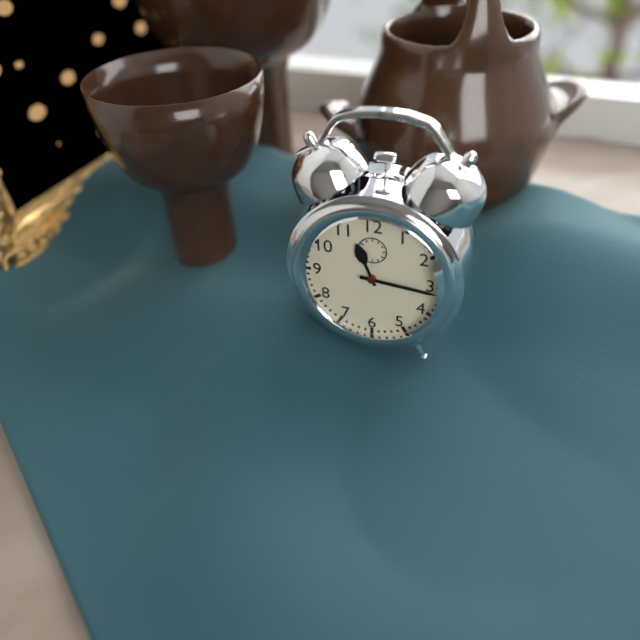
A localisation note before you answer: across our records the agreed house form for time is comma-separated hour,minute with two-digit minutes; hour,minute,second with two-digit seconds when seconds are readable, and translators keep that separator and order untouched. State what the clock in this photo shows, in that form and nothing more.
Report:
11,16
